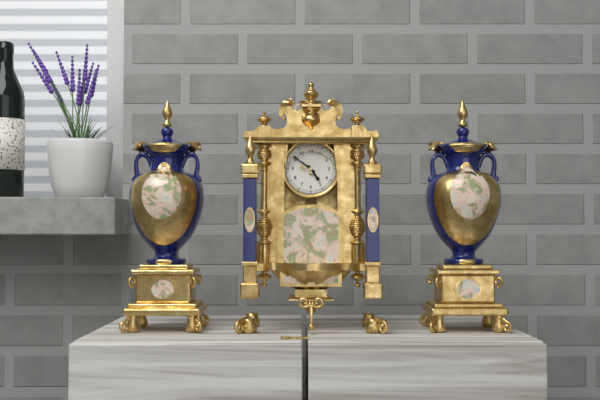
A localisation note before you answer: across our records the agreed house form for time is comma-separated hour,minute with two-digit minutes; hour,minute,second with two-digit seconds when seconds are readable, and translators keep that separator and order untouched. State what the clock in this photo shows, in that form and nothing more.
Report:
4,51
